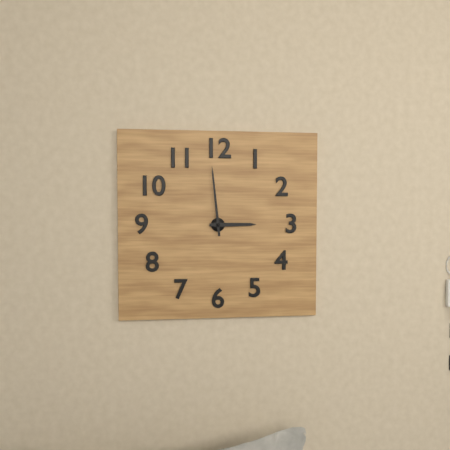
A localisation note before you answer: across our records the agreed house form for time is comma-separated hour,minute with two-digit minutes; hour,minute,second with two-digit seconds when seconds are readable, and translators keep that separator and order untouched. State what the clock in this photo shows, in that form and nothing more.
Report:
2,59
